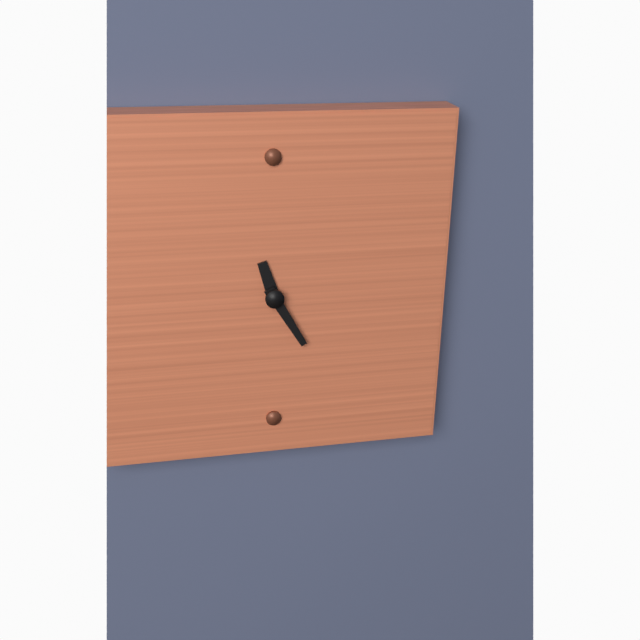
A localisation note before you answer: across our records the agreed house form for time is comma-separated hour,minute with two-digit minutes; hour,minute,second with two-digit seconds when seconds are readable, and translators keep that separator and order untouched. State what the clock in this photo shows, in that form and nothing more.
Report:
11,25
